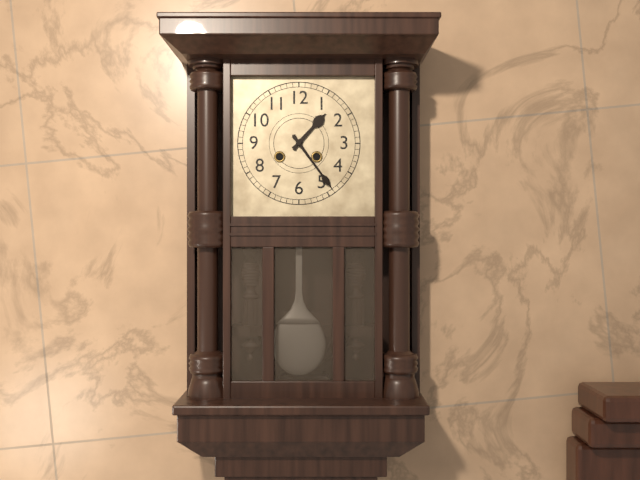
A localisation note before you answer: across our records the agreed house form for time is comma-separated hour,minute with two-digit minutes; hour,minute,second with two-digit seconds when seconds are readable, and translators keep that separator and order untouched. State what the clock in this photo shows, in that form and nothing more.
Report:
1,24
